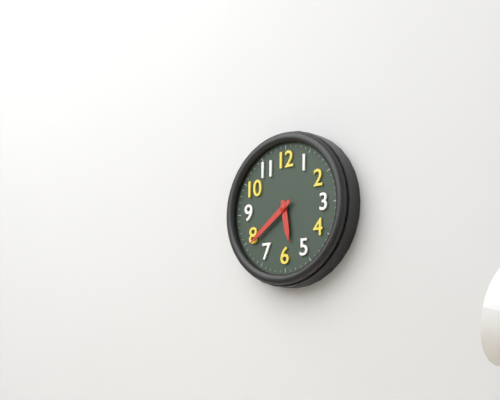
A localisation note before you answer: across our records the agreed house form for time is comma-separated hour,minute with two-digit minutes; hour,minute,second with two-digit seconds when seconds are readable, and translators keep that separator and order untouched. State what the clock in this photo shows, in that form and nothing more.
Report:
5,39
